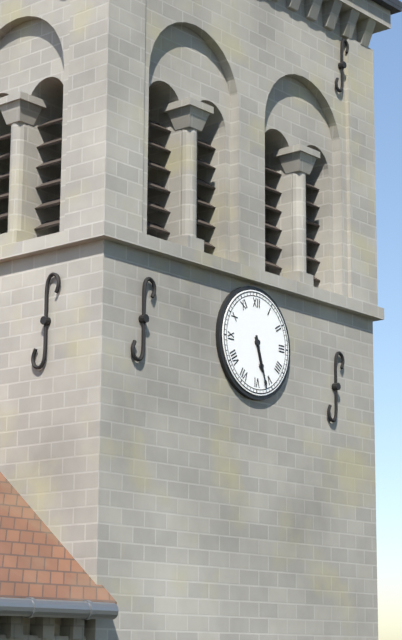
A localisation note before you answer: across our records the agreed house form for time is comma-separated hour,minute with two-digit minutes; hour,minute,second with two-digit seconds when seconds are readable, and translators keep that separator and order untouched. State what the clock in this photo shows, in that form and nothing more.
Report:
5,27
